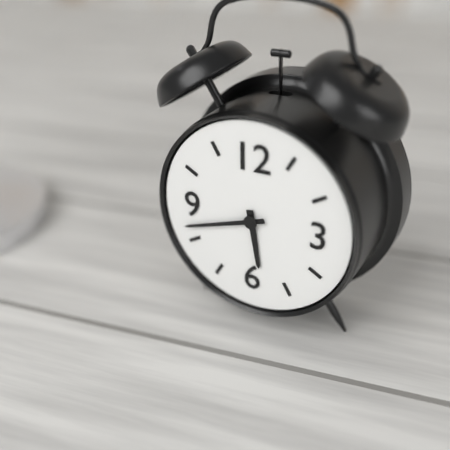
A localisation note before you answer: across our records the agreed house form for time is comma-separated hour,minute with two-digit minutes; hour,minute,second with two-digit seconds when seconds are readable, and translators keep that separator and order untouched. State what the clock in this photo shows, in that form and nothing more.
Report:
5,42
